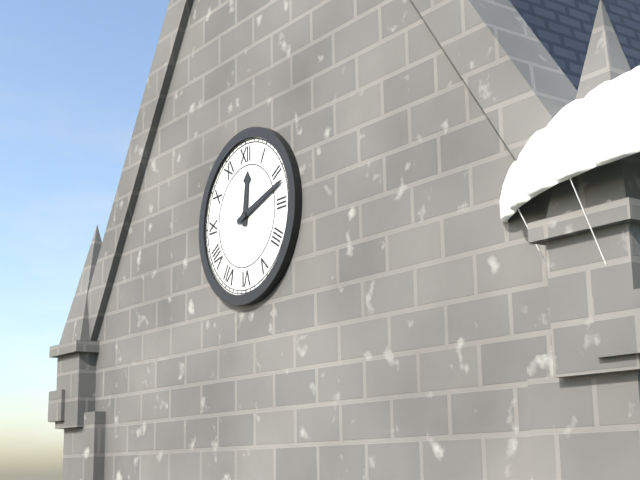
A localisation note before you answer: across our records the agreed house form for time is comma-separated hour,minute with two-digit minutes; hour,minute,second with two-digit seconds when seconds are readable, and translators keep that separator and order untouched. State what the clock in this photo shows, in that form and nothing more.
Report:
12,12
